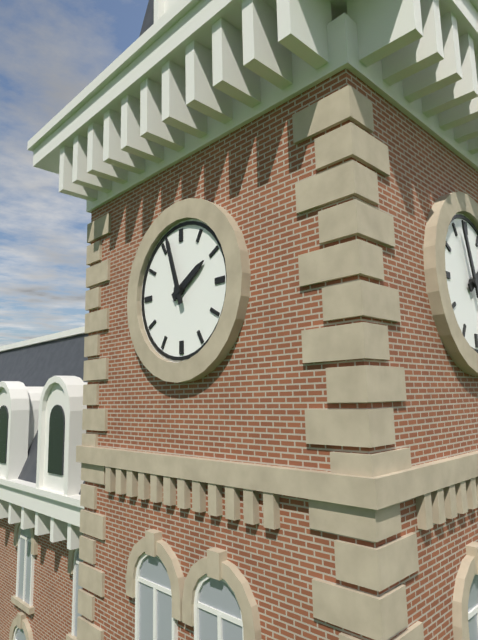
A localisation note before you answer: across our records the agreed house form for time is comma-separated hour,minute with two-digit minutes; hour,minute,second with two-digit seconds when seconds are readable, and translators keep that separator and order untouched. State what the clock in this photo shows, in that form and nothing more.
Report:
1,57
